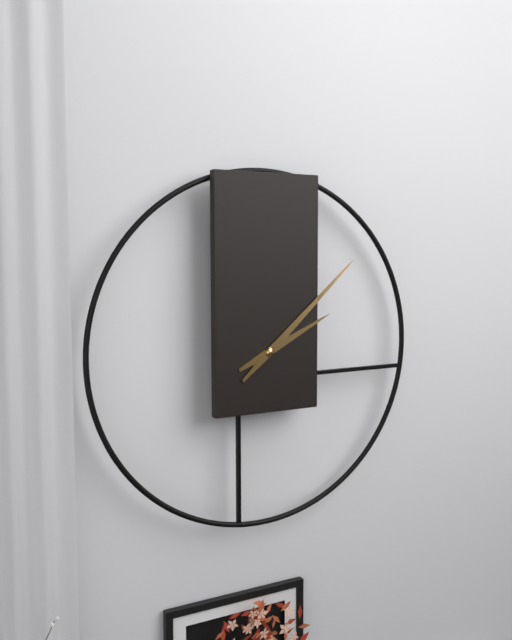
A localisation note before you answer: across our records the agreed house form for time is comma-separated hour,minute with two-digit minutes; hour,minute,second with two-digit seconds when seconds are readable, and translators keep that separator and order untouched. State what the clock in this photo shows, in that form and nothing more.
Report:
2,08
